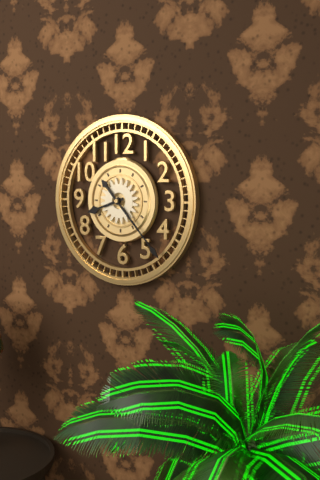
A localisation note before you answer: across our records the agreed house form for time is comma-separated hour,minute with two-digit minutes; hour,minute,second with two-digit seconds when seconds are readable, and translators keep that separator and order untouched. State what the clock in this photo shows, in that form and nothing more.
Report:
8,23
